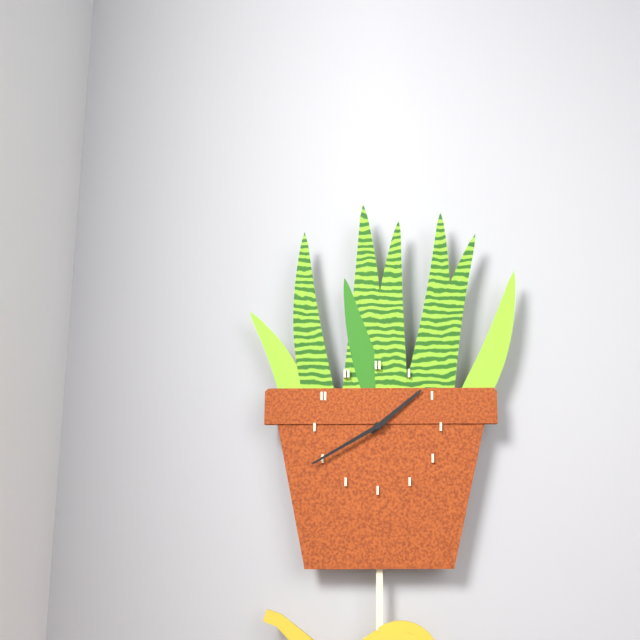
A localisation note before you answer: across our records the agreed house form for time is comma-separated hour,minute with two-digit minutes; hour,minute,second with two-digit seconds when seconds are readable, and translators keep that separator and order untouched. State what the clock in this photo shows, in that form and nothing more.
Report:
1,40
